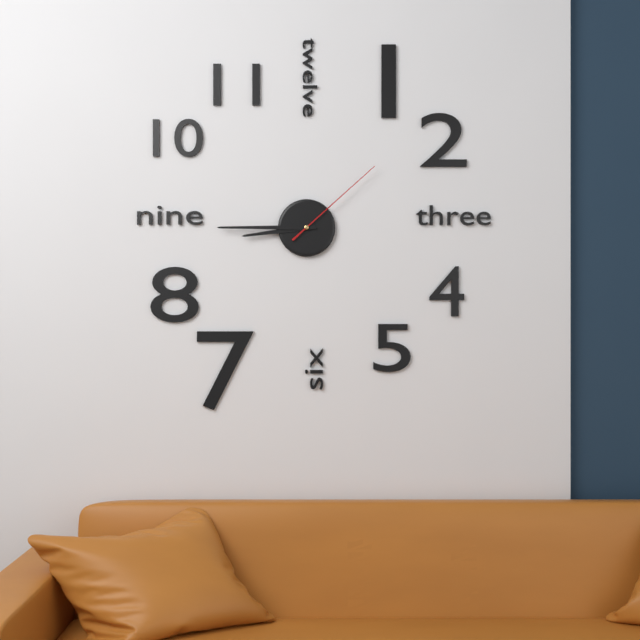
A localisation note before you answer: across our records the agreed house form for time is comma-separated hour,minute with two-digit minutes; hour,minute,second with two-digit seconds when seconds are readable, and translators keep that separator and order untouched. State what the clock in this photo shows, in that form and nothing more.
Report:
8,45,08
